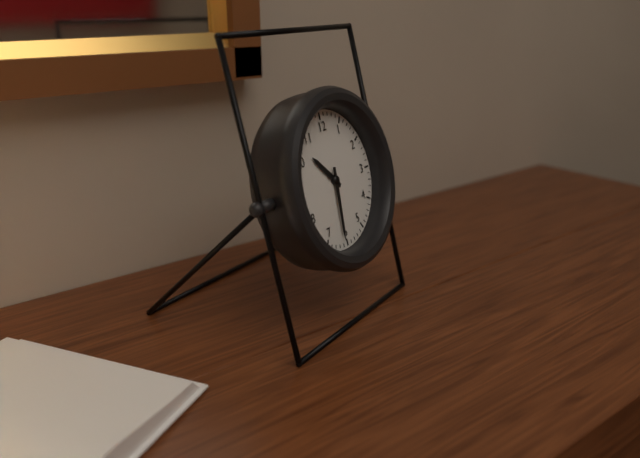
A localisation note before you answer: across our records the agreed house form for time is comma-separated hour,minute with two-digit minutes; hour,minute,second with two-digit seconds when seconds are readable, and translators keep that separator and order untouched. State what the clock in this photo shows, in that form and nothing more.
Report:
10,31
